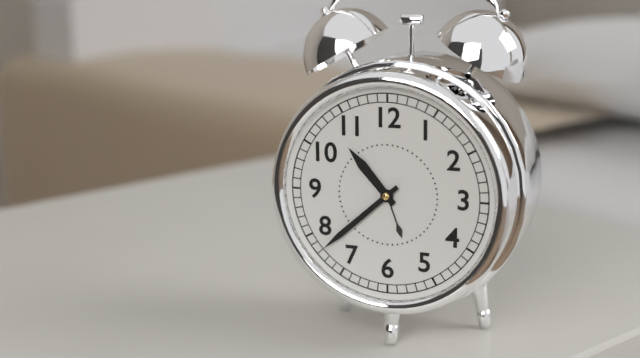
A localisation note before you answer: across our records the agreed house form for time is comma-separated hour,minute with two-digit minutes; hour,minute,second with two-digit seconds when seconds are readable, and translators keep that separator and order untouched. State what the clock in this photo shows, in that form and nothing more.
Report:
10,38
